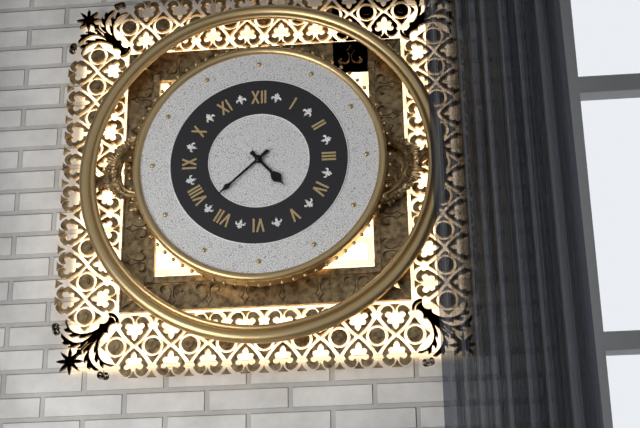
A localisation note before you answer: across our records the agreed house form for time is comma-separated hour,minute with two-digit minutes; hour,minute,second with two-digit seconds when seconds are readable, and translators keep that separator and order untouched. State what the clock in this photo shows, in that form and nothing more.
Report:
4,38
